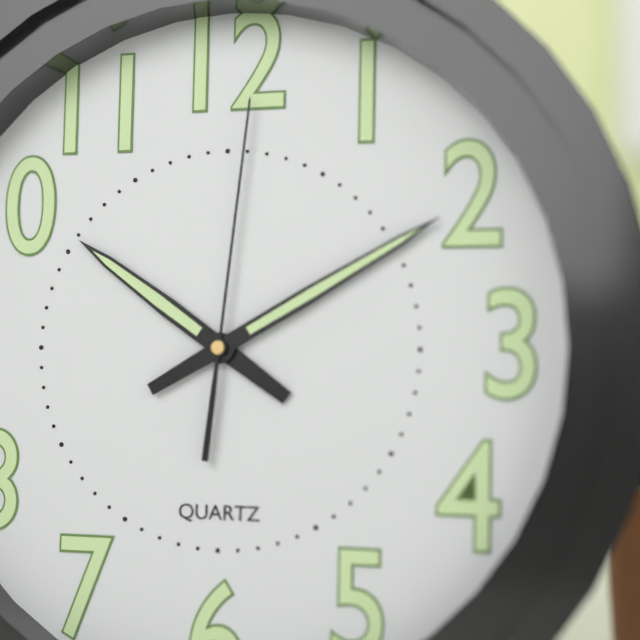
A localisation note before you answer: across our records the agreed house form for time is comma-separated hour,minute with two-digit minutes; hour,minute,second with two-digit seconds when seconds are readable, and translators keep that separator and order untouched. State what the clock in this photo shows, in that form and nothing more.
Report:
10,10,01
